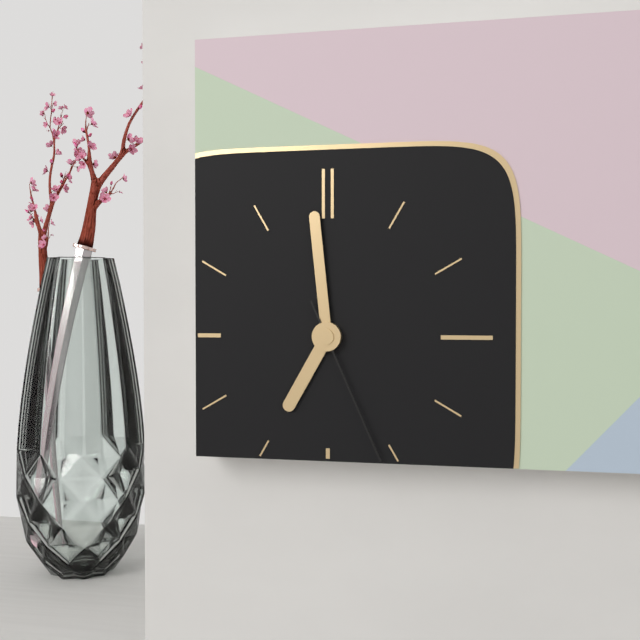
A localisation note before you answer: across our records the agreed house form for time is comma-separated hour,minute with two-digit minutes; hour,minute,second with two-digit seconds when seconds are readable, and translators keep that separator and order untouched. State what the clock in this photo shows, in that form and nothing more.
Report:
6,59,26
